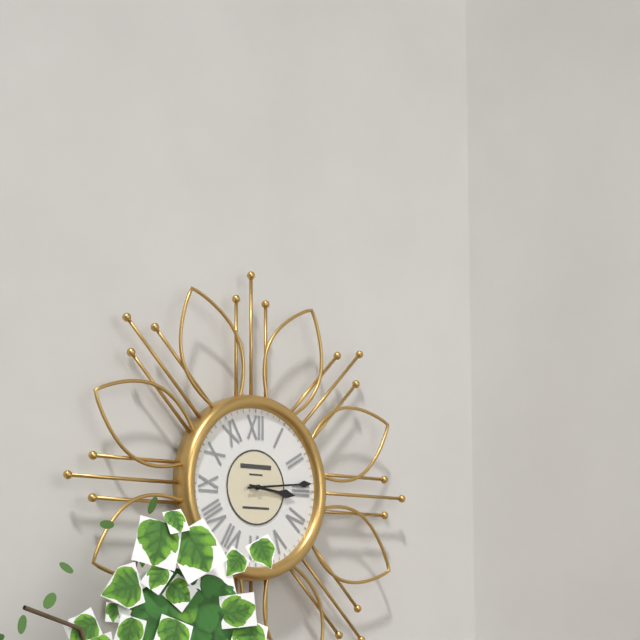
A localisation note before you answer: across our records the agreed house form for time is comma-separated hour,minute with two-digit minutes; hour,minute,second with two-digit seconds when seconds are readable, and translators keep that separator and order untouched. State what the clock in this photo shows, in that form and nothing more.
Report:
3,14
